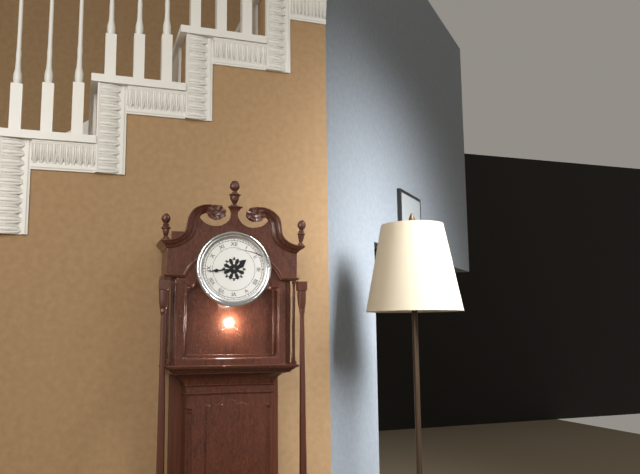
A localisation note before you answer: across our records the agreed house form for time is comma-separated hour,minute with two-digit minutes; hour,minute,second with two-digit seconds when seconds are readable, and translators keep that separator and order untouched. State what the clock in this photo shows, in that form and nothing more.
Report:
1,44
